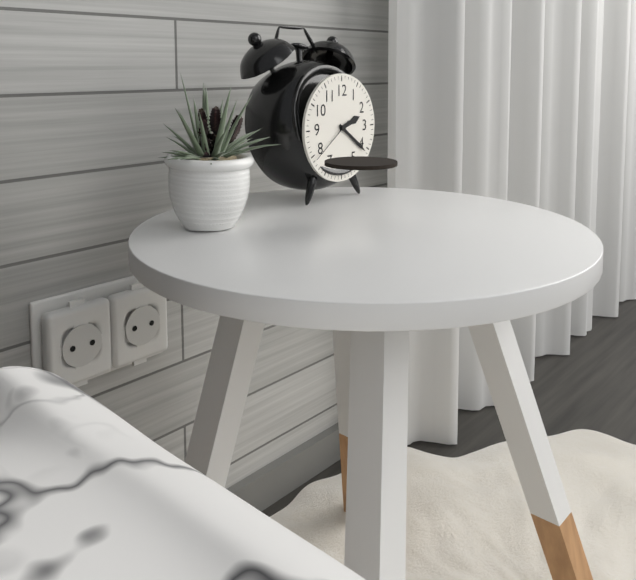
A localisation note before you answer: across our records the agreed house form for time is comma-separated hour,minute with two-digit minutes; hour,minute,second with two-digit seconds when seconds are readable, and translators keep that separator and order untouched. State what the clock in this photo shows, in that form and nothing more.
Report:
2,21,39
